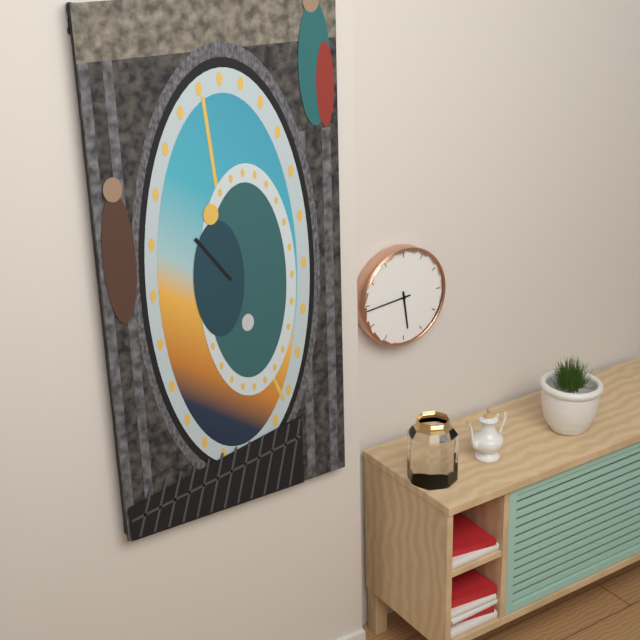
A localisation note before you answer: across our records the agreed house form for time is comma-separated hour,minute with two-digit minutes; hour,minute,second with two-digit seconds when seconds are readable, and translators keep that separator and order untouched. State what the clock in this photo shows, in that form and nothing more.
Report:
5,44
